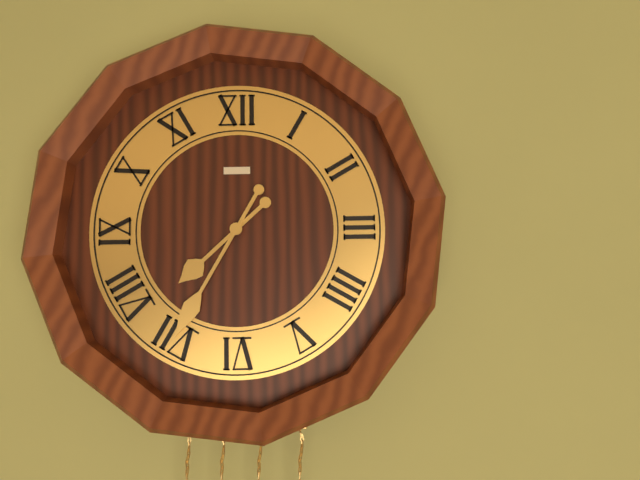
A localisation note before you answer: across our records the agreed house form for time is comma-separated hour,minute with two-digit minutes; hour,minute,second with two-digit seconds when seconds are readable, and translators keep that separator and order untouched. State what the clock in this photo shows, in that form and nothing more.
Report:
7,35
